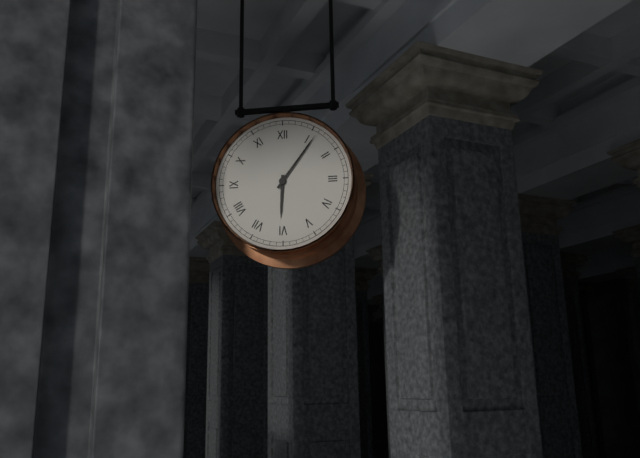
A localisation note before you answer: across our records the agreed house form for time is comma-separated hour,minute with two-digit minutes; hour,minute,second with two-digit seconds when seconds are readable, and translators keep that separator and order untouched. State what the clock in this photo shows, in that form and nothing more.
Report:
6,06
